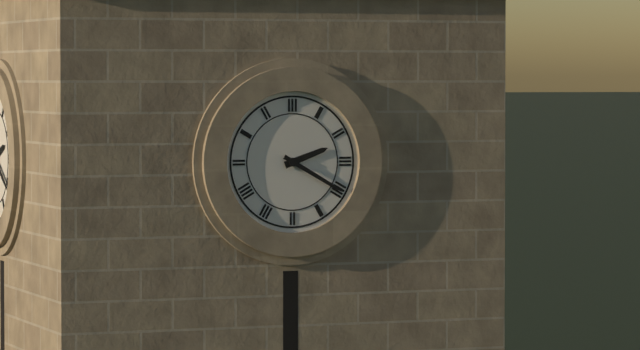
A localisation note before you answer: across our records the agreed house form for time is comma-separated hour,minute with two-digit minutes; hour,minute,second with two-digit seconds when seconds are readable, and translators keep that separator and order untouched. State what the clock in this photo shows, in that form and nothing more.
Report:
2,20
